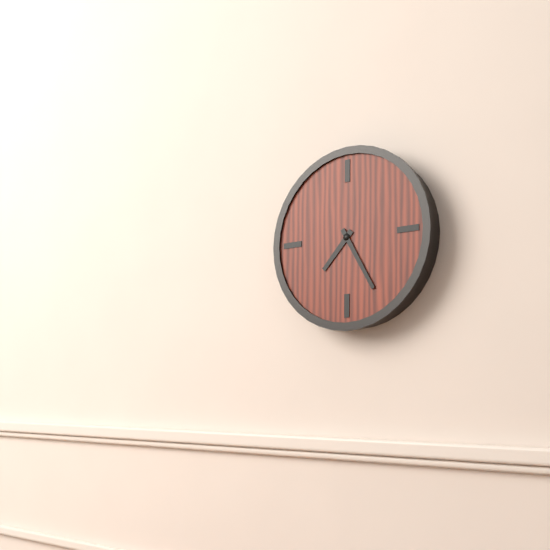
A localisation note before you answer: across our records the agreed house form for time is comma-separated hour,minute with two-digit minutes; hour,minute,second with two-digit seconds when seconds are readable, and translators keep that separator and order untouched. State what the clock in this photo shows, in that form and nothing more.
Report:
7,25
